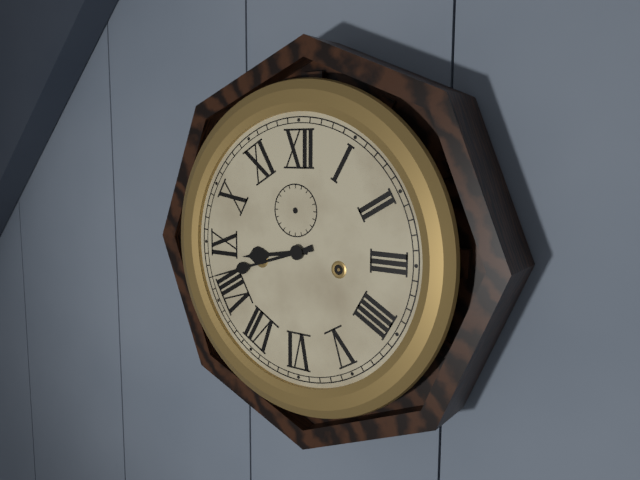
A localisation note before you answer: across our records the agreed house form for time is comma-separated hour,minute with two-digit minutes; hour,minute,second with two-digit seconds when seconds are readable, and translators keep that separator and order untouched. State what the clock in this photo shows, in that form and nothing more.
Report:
8,42
